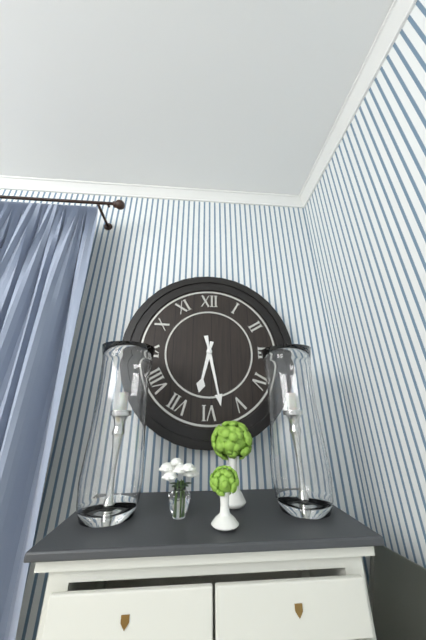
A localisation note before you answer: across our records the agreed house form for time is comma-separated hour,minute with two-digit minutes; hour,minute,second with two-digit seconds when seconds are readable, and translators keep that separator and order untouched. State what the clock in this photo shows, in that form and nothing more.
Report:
6,28
